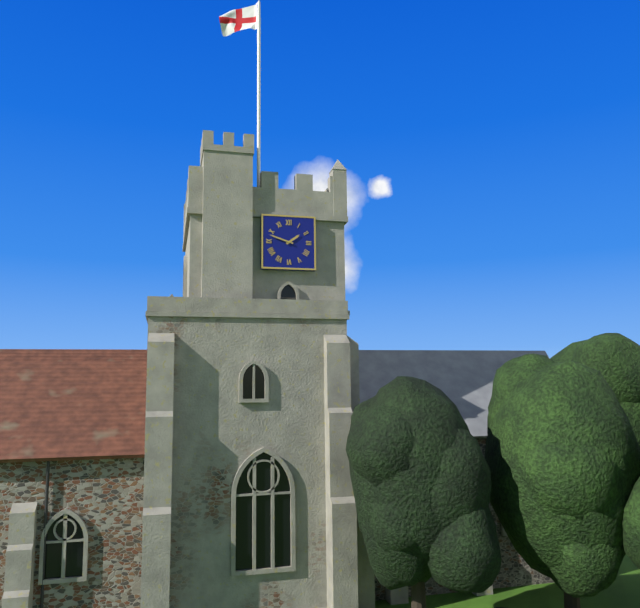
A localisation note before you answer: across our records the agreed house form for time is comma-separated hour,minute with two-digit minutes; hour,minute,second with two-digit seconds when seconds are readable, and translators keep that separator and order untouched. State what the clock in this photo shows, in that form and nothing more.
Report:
1,48
